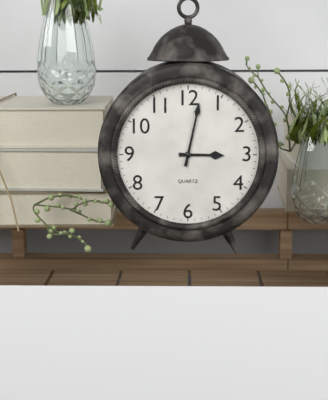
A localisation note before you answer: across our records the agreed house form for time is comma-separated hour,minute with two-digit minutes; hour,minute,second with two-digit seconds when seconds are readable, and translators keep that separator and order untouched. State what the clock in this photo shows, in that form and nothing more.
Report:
3,02
